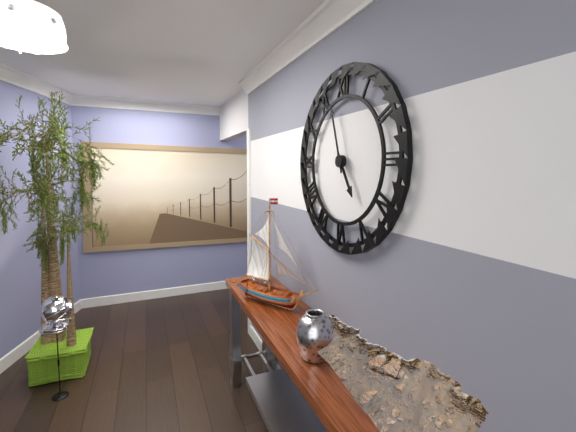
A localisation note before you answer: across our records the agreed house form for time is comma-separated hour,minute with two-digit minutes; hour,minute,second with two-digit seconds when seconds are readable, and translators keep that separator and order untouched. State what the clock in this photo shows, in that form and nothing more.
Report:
4,57
